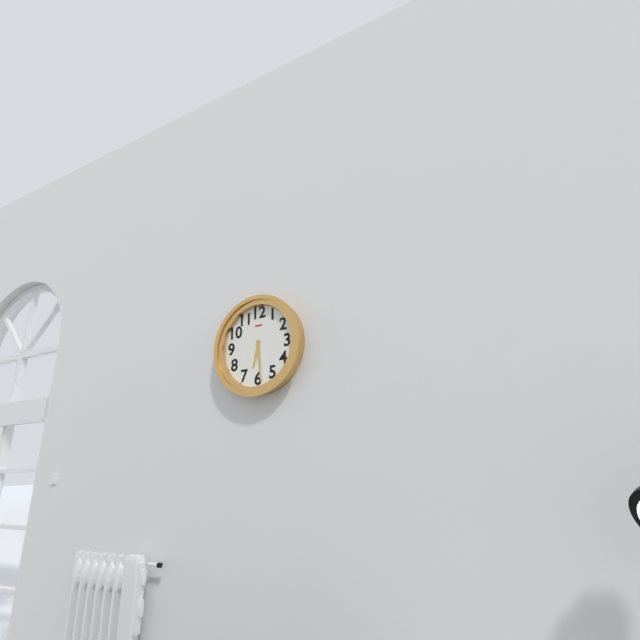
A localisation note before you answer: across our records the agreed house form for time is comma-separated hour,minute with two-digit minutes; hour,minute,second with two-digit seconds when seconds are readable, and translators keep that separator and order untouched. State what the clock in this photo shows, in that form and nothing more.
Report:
6,29
